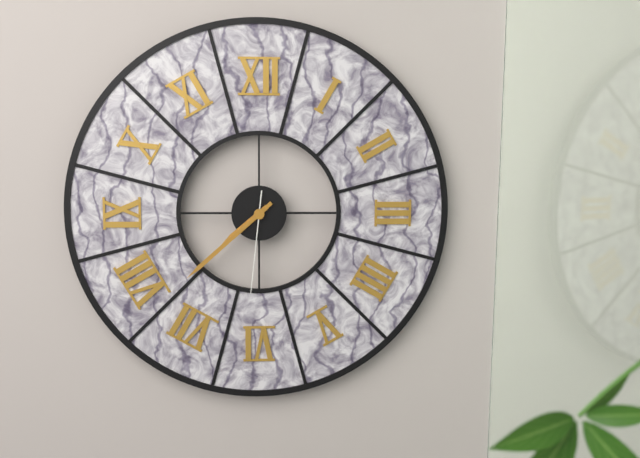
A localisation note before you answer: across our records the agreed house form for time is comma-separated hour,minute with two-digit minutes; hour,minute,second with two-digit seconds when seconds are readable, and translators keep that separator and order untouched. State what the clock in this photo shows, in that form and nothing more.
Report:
7,38,31
